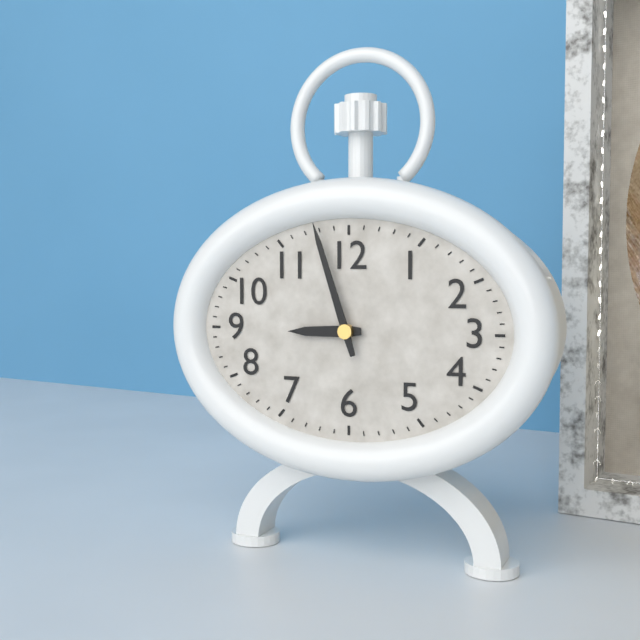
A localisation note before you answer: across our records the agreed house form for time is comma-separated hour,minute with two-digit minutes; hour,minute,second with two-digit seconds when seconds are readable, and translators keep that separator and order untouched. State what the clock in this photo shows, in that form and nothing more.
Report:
8,57
